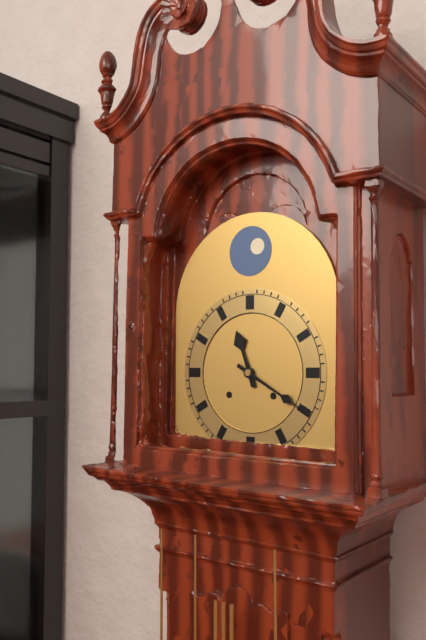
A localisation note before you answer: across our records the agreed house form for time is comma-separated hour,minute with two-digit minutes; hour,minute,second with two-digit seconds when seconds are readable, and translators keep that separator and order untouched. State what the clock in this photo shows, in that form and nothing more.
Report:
11,20
